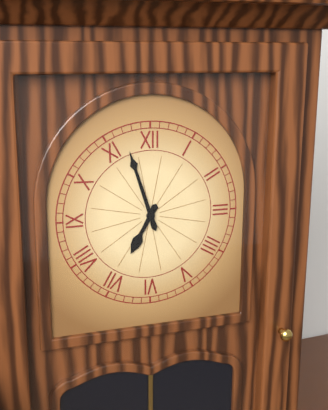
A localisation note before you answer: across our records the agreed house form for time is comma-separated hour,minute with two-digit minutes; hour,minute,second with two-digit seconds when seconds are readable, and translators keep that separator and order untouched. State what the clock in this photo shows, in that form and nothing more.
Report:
6,57
